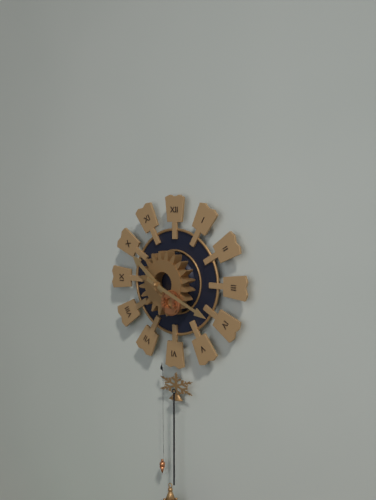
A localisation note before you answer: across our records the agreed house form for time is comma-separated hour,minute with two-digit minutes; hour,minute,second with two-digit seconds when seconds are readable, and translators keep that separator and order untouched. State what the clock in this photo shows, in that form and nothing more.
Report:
10,19
